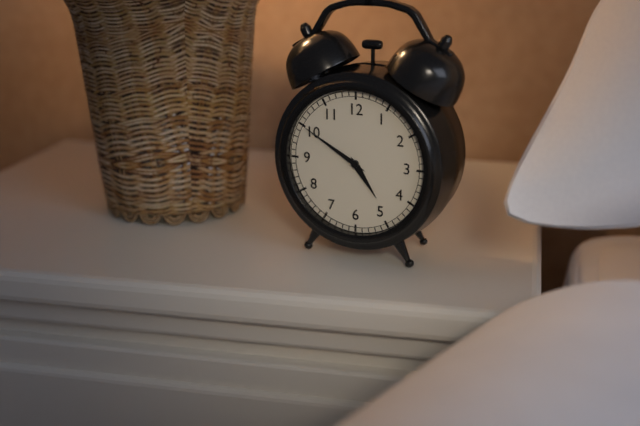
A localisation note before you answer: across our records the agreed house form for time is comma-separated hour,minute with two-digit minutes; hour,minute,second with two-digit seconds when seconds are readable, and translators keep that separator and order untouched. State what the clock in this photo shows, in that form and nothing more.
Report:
4,50
